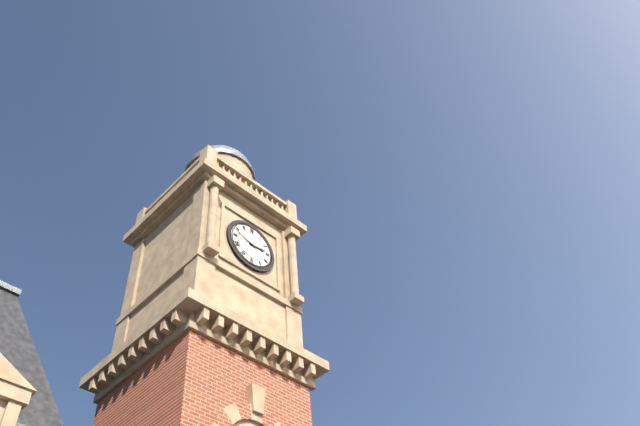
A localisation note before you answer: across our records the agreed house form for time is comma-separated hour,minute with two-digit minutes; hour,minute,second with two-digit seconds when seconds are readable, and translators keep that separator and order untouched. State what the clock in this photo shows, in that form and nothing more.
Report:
2,48
